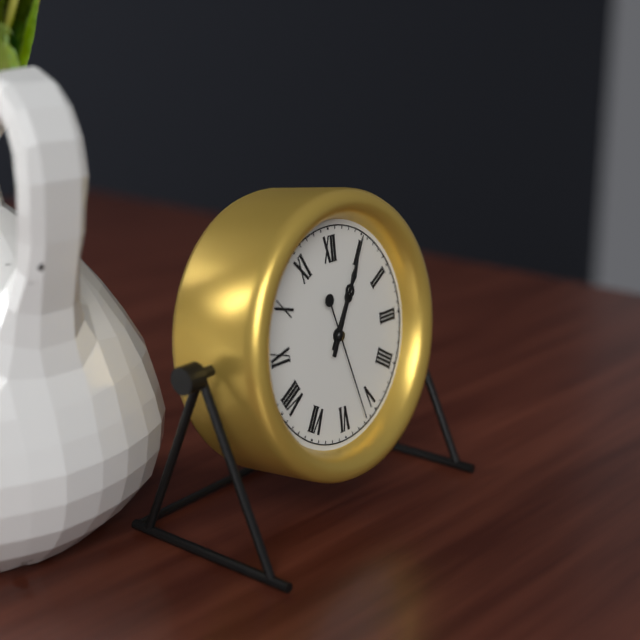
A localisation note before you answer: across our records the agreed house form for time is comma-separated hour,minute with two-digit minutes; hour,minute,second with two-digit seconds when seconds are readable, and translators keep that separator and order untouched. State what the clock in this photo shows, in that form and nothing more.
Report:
1,05,27
